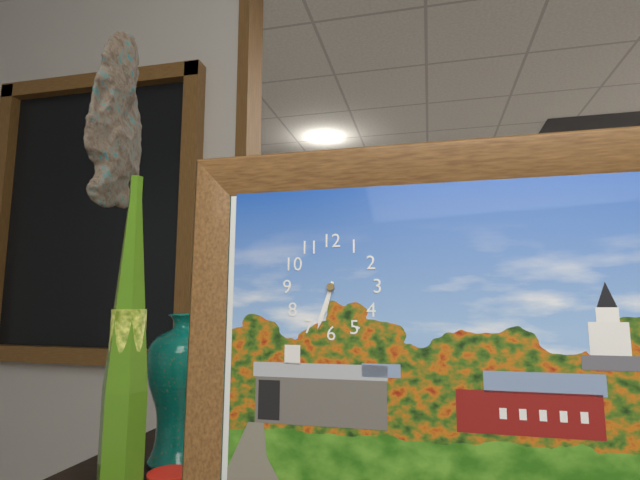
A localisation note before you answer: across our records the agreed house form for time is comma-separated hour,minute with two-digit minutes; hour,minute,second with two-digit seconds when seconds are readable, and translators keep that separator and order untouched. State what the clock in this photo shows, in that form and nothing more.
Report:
6,33
